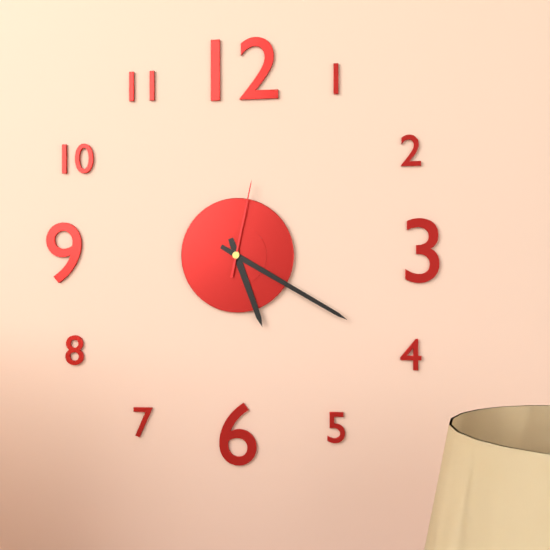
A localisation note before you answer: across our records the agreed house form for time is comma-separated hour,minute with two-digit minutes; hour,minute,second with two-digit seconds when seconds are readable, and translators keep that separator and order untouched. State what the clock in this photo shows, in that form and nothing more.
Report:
5,20,02
